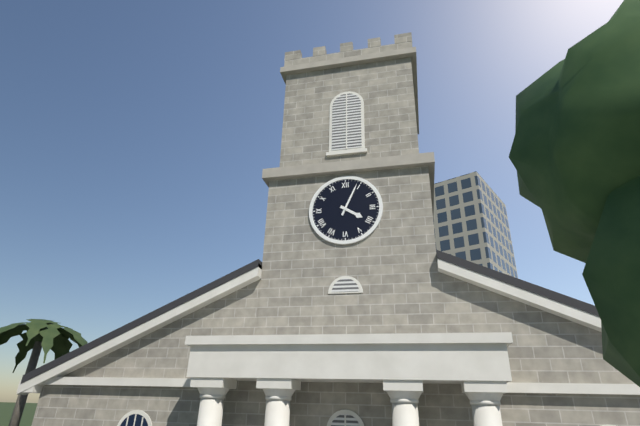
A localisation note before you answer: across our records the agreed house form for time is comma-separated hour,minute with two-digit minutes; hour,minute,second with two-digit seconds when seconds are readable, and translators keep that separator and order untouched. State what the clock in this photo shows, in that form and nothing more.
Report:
4,04
